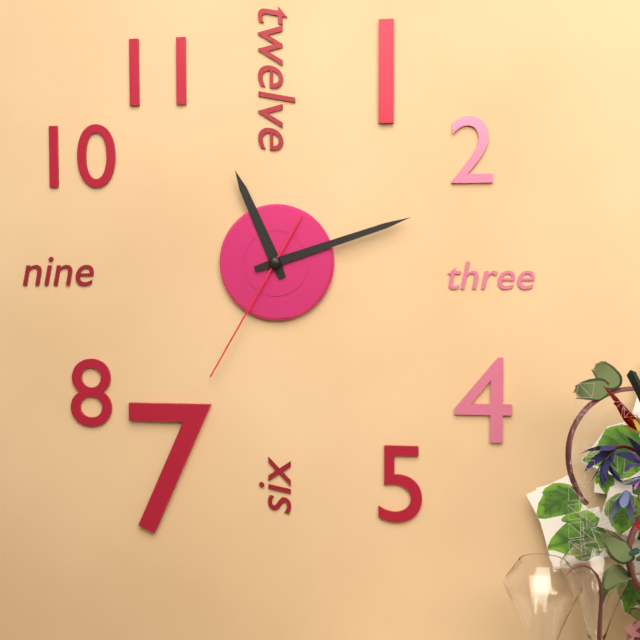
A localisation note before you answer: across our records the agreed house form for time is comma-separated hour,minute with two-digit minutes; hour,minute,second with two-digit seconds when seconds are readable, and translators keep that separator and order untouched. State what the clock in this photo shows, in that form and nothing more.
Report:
11,12,35
